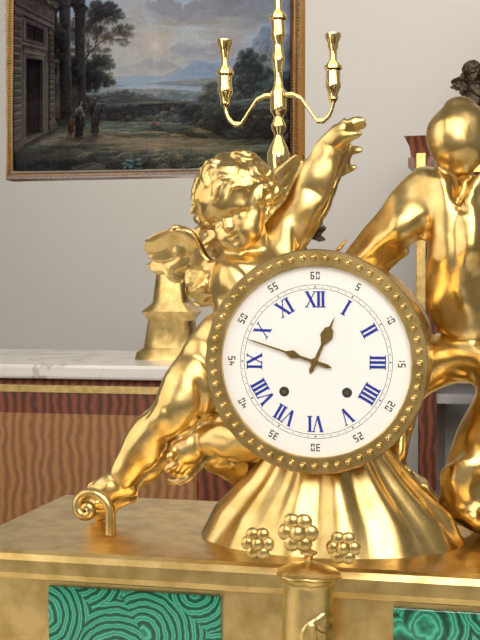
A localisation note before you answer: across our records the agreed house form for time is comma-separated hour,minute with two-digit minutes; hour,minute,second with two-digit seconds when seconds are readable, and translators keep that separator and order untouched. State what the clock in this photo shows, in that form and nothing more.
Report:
12,48
